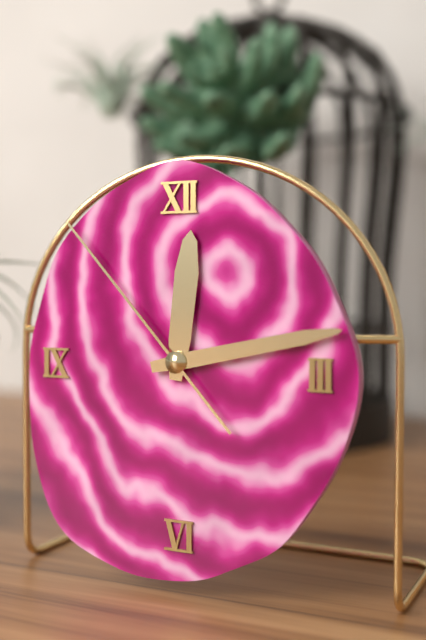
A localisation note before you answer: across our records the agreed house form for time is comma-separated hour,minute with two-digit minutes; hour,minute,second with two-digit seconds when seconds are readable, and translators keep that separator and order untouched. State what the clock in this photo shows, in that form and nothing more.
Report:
12,13,53
